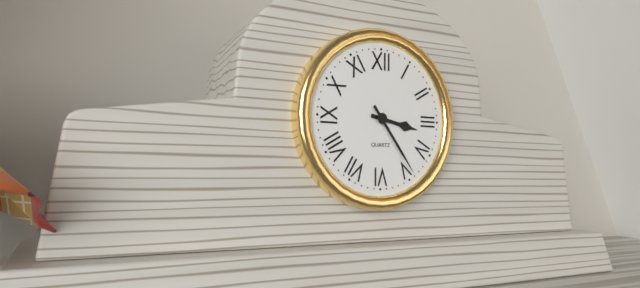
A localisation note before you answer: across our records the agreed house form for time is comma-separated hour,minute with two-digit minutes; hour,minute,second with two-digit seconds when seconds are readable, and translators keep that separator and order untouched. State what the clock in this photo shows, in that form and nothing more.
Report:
3,24
